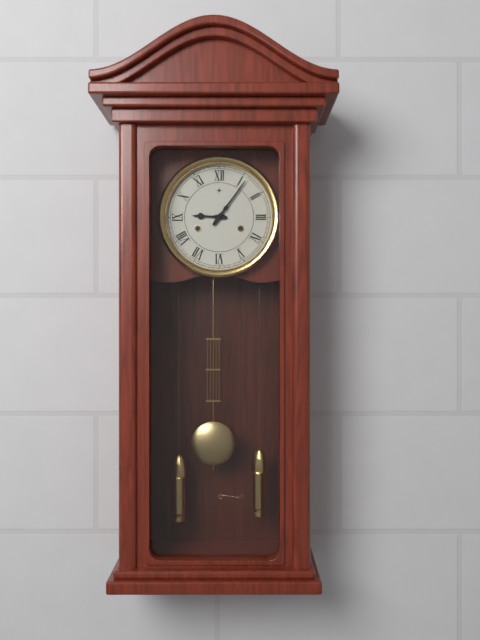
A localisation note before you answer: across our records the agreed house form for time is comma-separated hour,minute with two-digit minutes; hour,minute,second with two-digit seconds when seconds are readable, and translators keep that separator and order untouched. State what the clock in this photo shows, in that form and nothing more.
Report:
9,06
